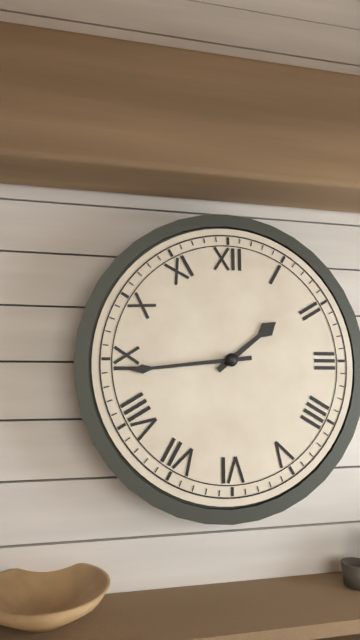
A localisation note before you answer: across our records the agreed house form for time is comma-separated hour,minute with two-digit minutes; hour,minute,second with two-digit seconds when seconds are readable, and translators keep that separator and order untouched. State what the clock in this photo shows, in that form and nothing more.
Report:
1,44
